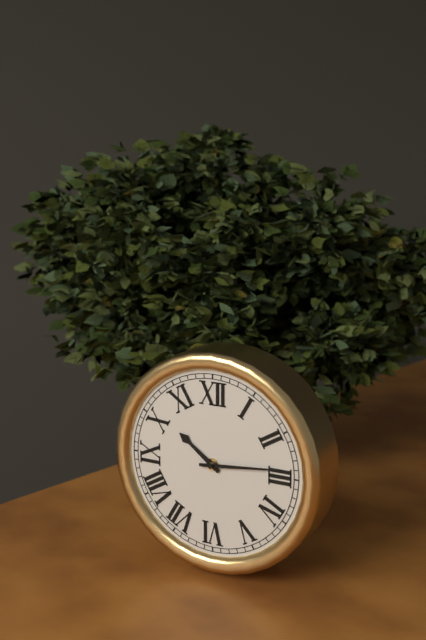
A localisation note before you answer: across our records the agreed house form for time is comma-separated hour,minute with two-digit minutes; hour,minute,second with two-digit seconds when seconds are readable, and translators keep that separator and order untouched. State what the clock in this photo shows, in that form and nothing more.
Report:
10,14
